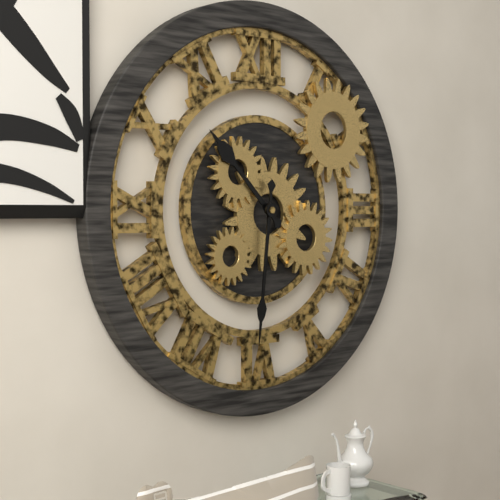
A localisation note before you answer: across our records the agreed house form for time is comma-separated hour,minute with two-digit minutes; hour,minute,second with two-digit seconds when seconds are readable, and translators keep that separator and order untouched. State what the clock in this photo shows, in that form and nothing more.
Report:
10,31
